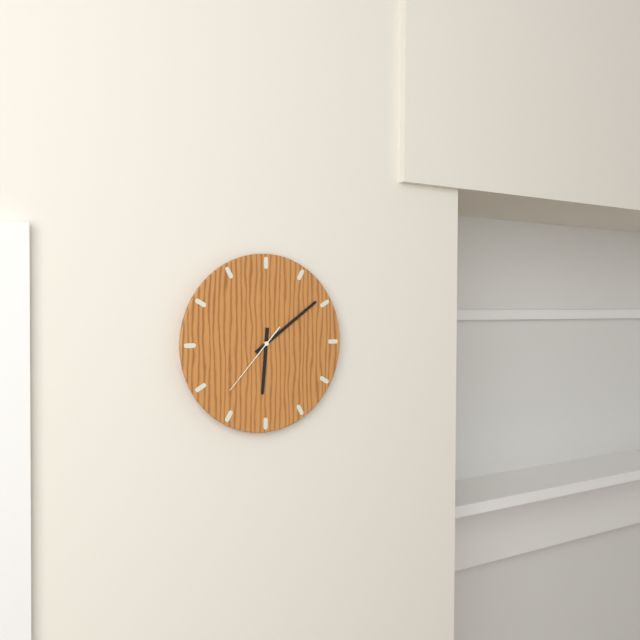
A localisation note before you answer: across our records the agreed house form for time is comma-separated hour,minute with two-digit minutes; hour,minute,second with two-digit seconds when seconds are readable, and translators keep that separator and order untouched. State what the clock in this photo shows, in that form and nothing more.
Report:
6,09,37
